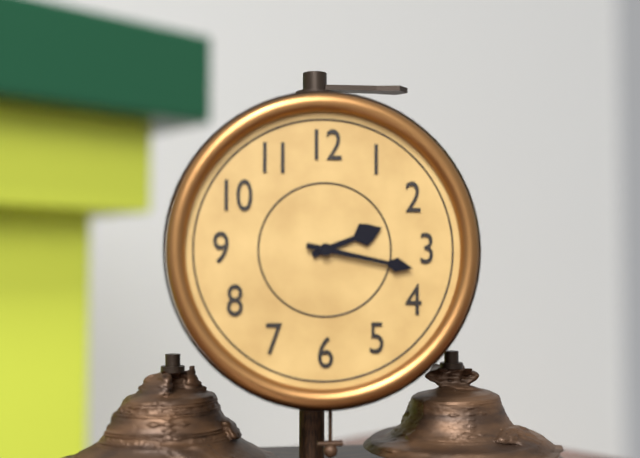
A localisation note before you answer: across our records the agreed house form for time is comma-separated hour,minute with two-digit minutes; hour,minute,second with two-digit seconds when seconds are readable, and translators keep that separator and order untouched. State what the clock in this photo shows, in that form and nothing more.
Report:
2,17
